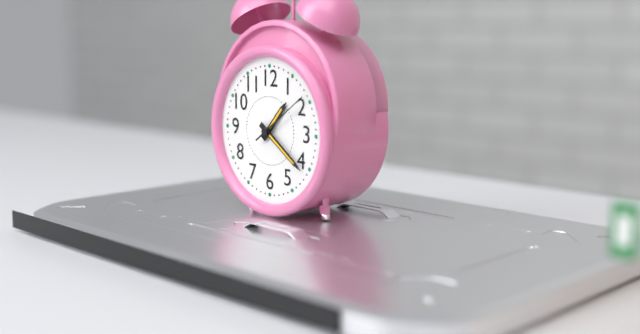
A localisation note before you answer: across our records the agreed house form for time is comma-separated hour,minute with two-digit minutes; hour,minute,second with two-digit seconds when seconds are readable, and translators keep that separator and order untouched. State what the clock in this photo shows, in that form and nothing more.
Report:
1,21,09
